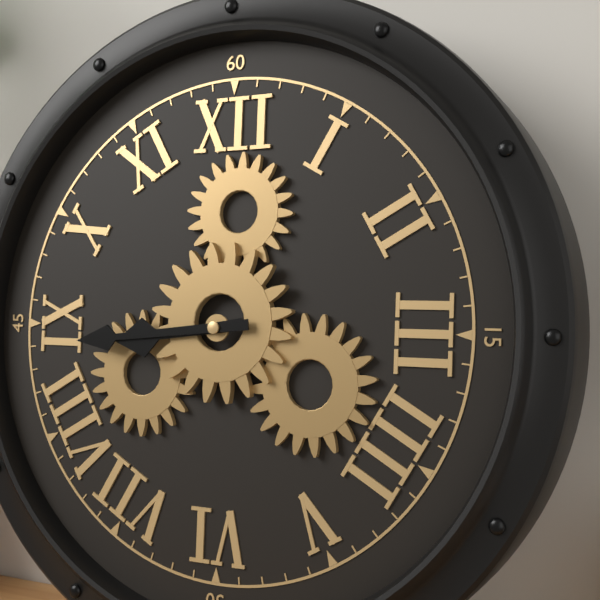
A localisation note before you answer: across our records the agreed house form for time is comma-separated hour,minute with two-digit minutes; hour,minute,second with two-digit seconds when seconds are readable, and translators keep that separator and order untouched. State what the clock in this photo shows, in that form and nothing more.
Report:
8,44
